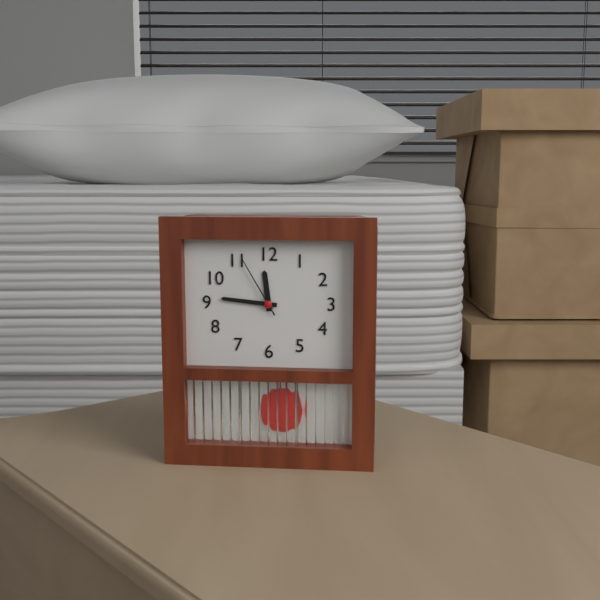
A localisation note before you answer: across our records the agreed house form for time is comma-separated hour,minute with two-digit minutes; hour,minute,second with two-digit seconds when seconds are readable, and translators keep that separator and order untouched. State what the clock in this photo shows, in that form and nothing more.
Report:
11,46,55
